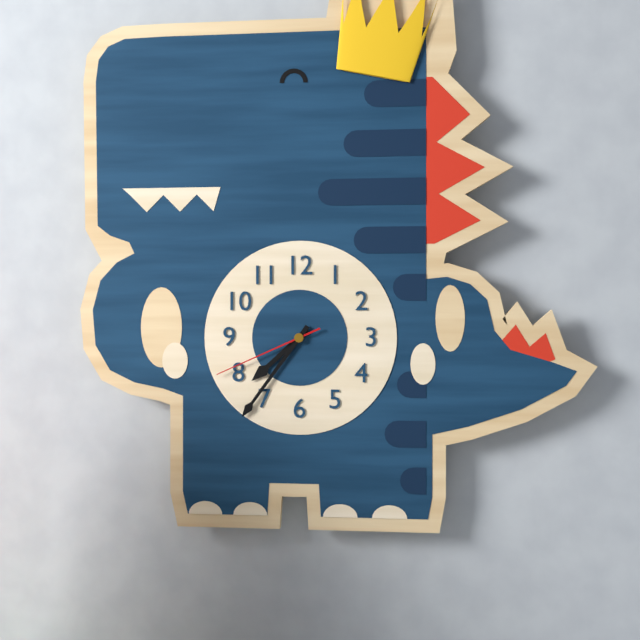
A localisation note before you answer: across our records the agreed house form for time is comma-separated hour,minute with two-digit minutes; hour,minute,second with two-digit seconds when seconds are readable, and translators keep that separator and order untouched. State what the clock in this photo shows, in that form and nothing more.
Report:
7,36,41
